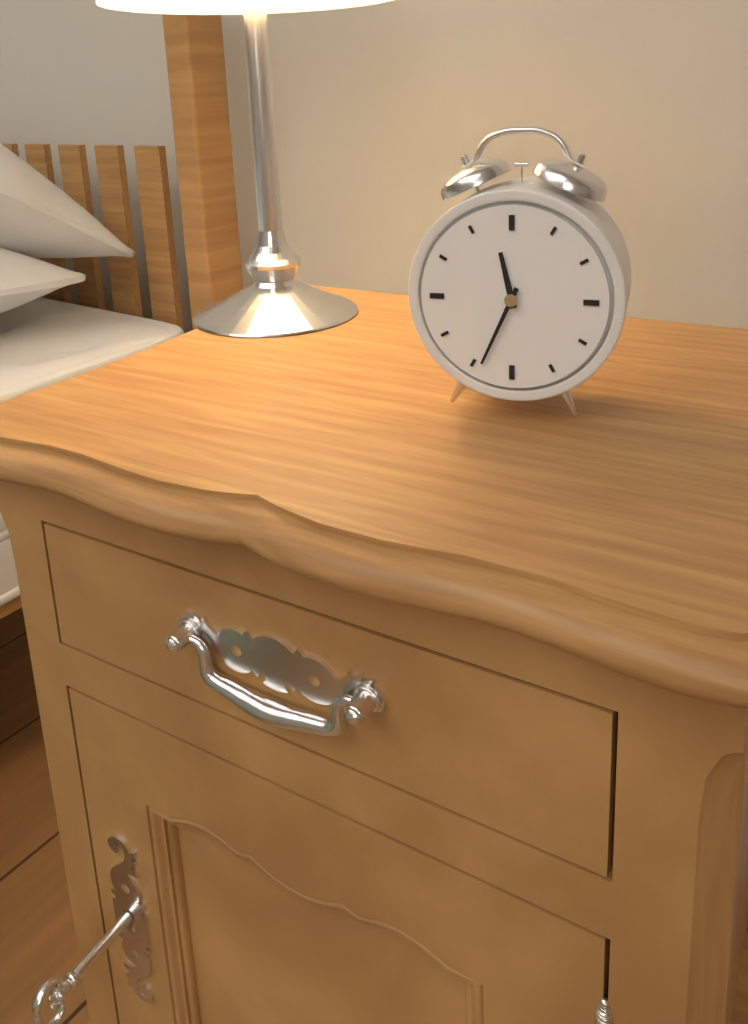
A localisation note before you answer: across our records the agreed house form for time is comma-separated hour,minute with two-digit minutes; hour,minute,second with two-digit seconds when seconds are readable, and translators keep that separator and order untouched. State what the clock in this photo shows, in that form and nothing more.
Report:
11,34
